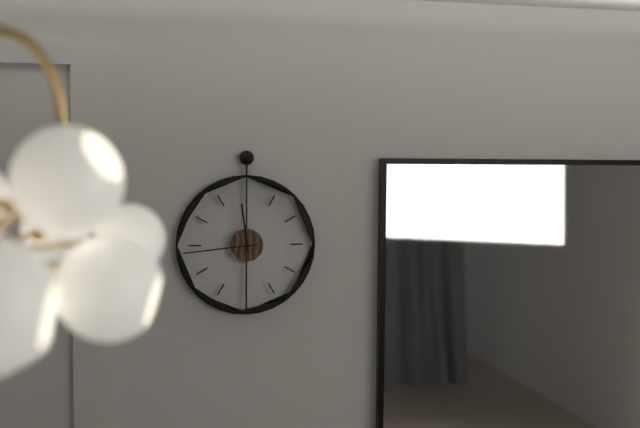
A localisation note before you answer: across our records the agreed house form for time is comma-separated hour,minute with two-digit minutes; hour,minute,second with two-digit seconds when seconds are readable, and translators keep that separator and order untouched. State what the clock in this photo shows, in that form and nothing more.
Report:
11,44
